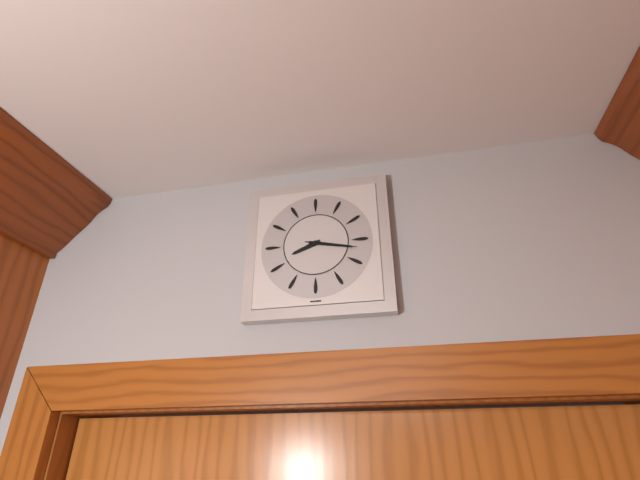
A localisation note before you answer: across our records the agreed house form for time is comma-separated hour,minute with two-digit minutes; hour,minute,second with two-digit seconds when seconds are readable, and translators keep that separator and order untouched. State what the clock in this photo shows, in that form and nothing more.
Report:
8,17,17
